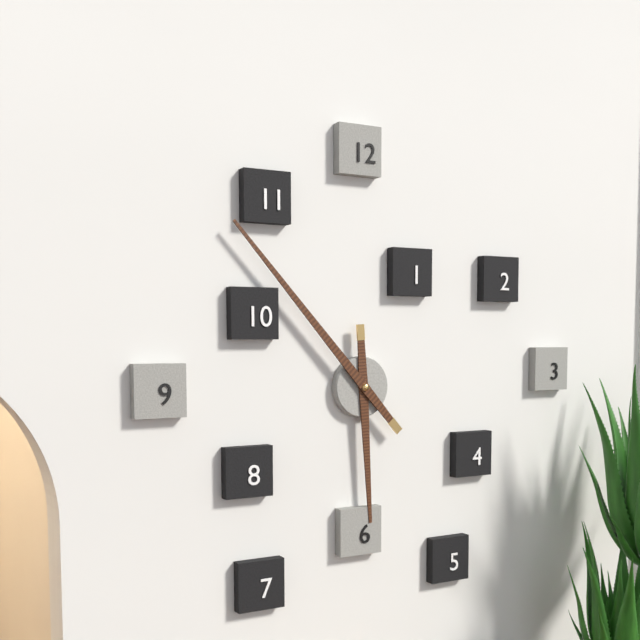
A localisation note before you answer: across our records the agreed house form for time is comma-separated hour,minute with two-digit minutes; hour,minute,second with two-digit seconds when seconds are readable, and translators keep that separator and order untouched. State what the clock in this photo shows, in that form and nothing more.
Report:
5,53
